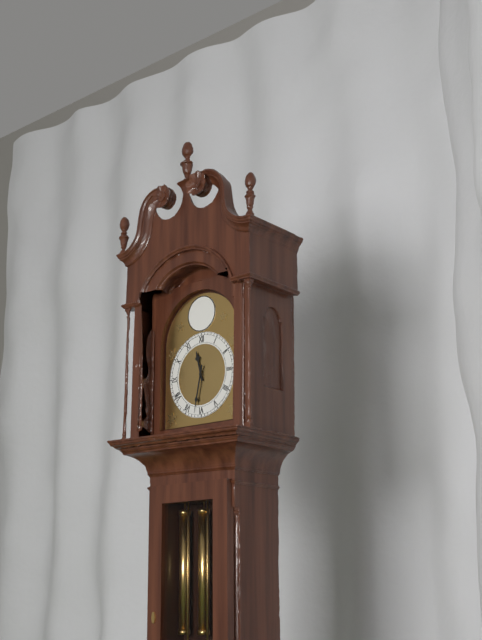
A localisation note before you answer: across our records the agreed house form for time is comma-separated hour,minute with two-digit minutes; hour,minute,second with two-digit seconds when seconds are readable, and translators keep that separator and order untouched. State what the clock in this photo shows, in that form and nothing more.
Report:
11,32
